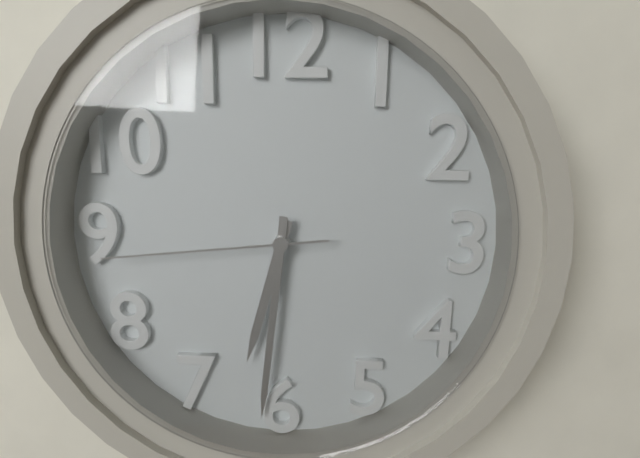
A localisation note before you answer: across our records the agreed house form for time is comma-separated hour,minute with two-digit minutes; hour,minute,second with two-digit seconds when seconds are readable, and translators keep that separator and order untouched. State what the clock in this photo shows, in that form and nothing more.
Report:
6,31,44
